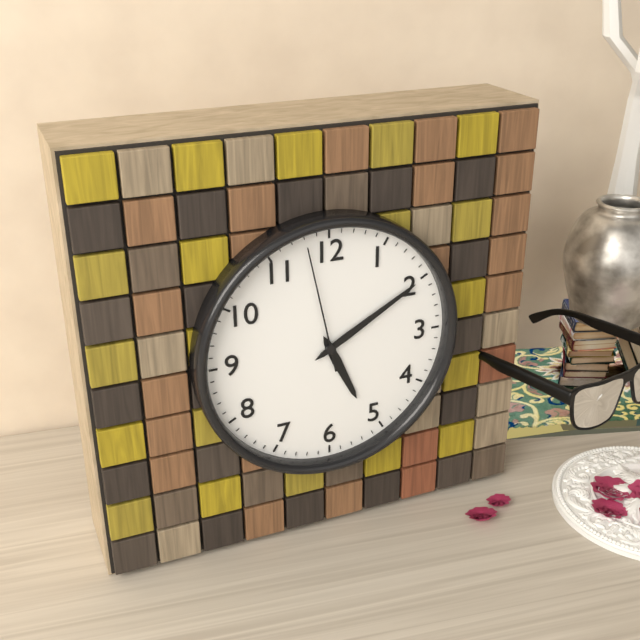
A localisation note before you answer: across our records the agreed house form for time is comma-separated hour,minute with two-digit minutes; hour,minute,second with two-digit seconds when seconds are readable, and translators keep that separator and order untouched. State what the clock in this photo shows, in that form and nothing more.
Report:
5,10,58
